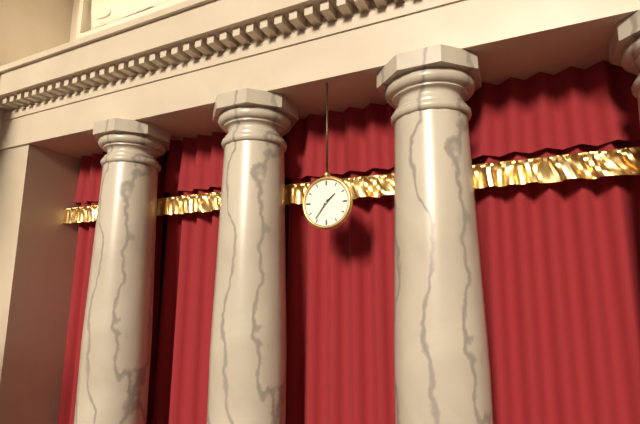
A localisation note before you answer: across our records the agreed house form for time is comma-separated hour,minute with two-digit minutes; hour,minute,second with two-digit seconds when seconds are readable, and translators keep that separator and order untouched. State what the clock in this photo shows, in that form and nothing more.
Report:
1,36
